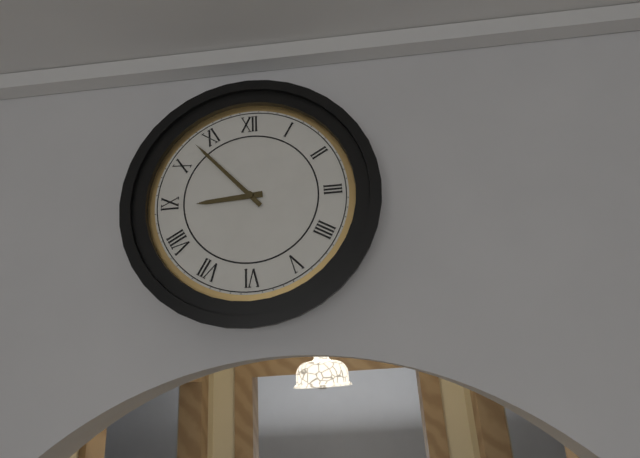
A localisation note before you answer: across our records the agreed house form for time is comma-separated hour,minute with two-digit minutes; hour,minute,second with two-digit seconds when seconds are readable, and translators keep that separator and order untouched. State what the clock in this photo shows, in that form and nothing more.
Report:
8,53
